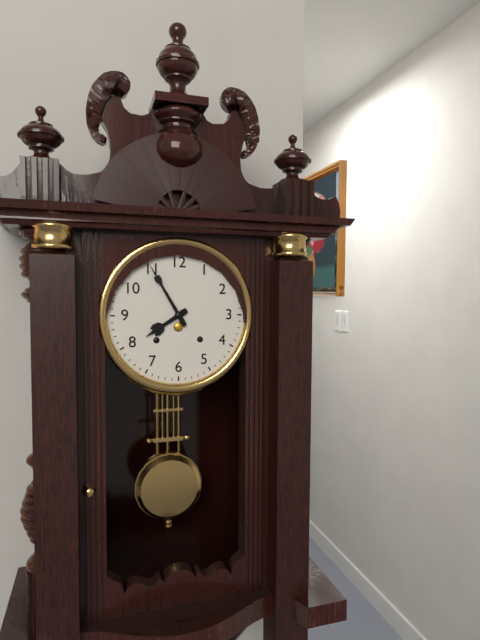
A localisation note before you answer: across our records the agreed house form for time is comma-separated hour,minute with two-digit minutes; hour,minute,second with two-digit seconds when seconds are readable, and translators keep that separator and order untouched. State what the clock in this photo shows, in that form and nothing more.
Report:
7,55
